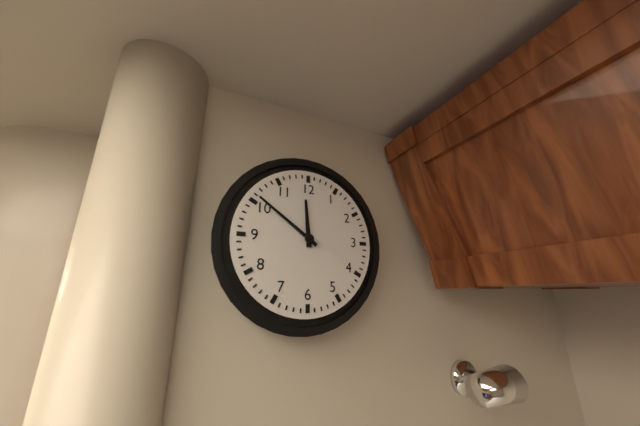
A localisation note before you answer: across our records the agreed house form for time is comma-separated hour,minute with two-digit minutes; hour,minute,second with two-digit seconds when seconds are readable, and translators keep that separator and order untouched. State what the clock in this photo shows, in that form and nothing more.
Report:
11,51
